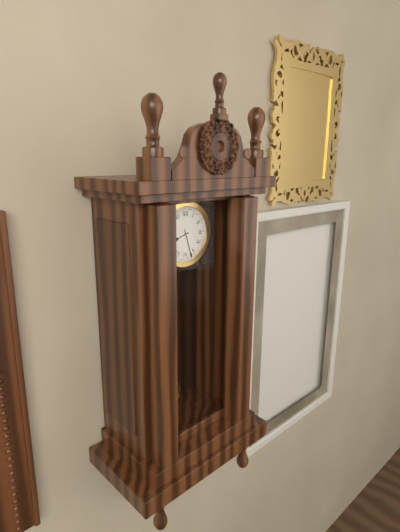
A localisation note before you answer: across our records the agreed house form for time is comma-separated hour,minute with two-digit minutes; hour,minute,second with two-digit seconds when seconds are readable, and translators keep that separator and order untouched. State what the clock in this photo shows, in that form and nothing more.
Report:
8,27
